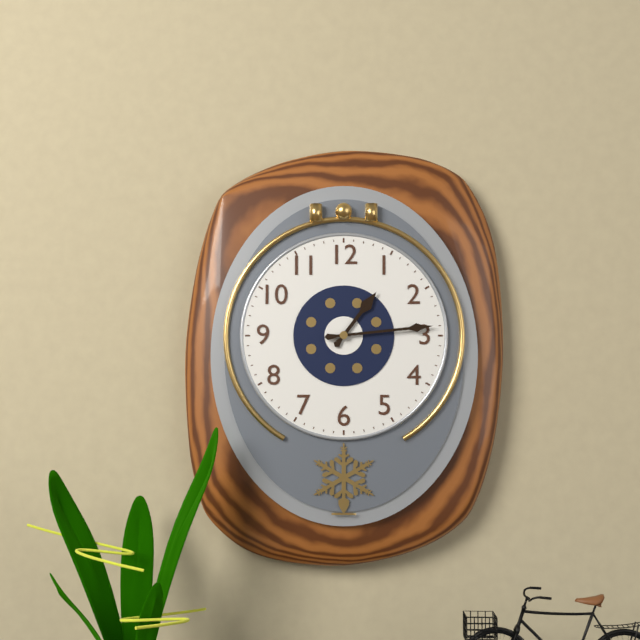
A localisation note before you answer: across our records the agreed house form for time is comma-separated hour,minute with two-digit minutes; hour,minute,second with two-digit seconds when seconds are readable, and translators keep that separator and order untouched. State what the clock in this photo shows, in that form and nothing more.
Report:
1,14
